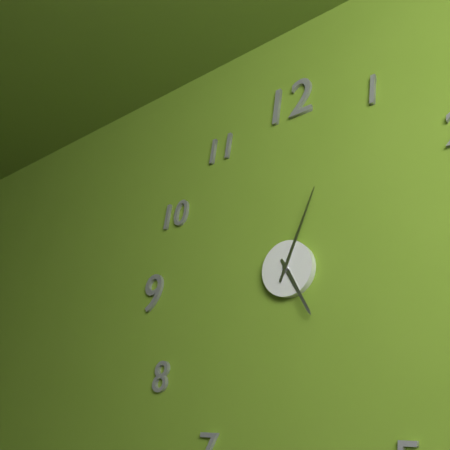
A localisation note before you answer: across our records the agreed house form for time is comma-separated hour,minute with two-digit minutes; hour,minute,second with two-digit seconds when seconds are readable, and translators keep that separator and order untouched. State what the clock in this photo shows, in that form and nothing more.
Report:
5,04
